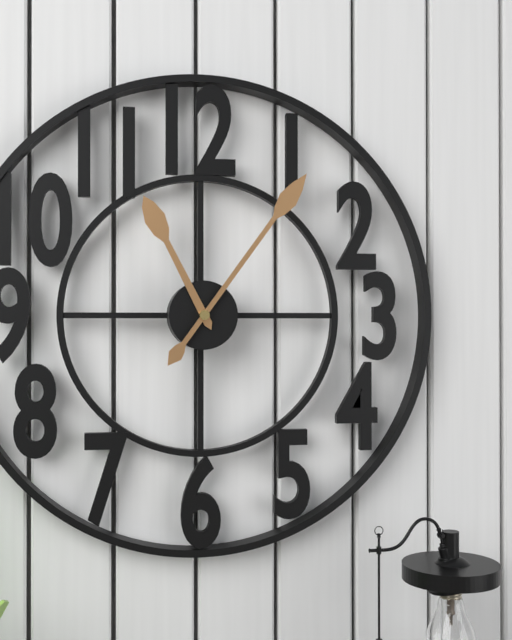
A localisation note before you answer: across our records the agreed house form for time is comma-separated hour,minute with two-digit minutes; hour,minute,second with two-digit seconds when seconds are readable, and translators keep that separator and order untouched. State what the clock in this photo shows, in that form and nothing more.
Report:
11,06
